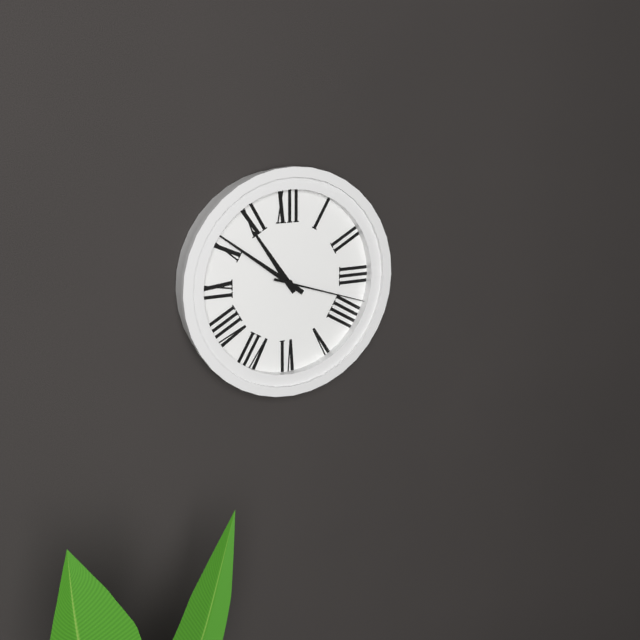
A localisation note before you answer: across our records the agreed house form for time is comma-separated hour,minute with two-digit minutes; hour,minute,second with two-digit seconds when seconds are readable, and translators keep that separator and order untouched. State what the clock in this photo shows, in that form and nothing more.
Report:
10,51,18
